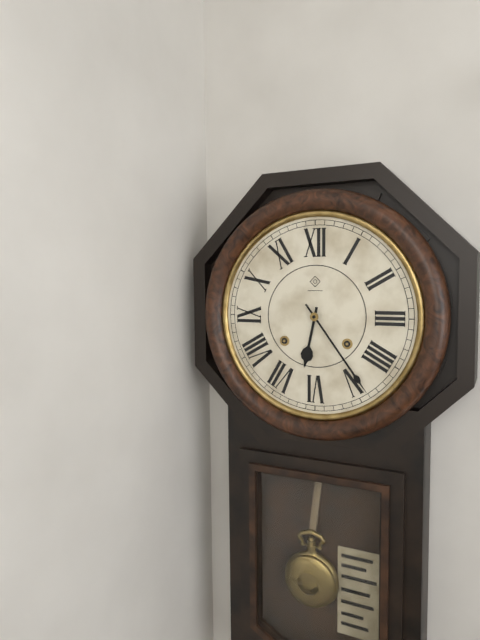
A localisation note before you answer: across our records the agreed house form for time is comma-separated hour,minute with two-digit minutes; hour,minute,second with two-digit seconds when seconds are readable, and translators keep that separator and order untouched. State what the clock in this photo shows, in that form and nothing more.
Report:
6,24
